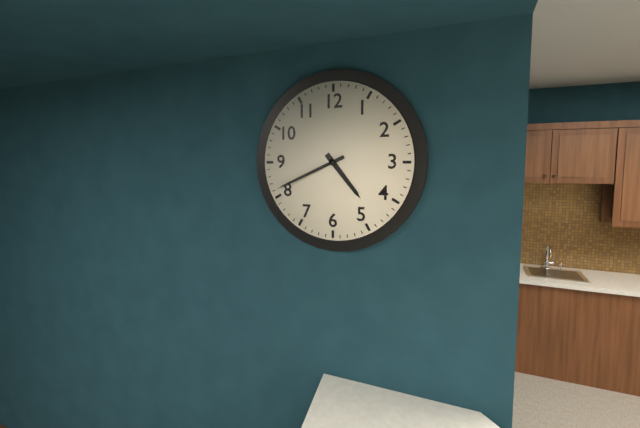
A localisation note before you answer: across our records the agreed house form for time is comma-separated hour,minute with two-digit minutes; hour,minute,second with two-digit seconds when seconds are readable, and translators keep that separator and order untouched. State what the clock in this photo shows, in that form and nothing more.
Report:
4,41
